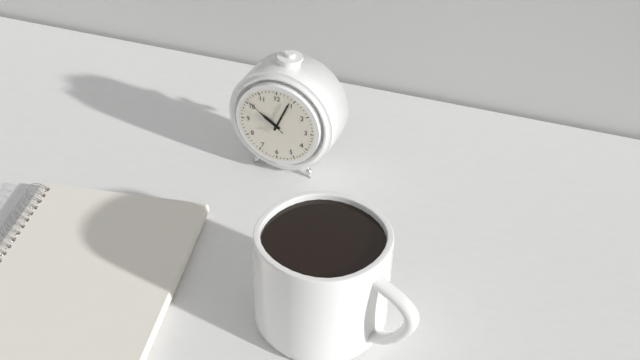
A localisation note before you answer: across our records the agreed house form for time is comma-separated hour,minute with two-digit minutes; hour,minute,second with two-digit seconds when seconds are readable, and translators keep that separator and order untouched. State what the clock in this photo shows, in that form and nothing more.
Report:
10,04
